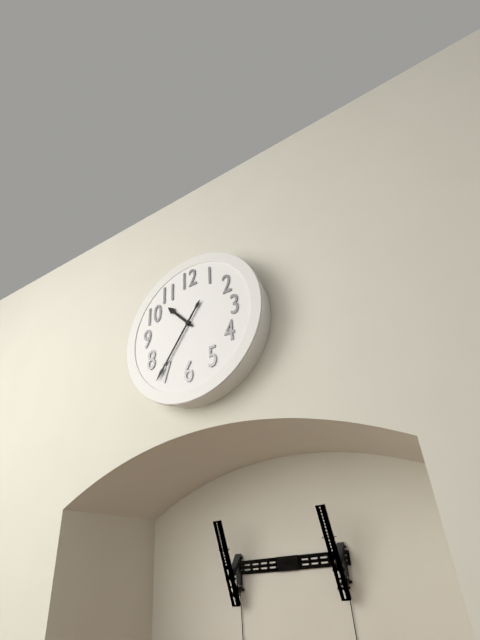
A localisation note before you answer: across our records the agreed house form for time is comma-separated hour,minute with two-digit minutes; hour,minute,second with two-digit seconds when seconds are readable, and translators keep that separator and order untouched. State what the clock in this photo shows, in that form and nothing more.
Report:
10,36
